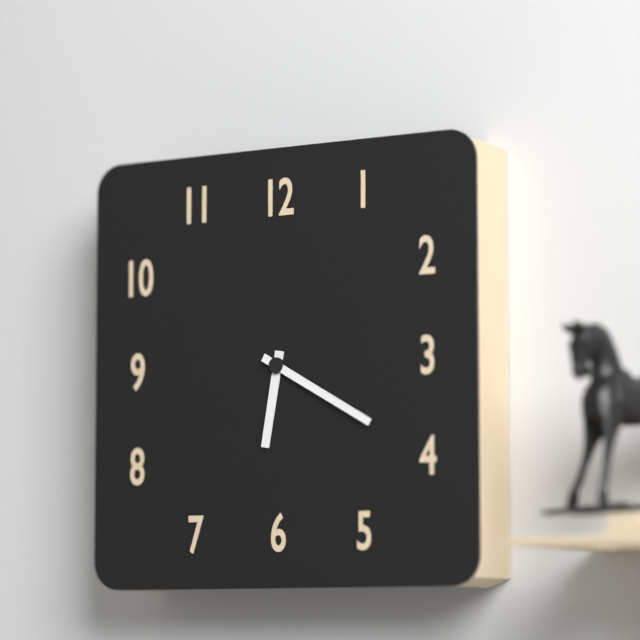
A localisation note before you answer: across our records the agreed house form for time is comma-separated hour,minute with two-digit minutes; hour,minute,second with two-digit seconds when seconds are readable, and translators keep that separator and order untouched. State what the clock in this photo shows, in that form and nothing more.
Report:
6,20
